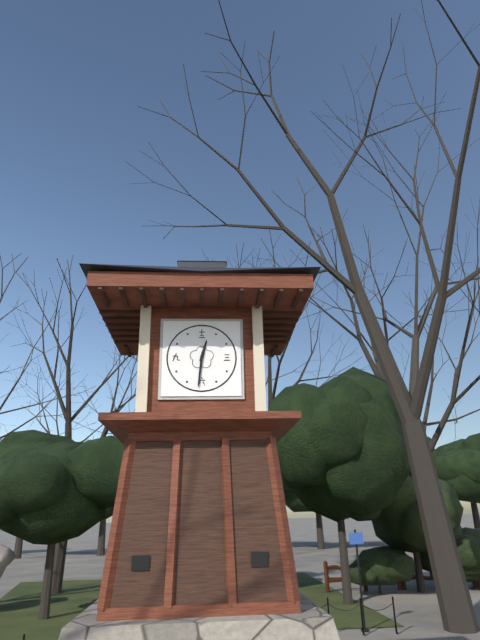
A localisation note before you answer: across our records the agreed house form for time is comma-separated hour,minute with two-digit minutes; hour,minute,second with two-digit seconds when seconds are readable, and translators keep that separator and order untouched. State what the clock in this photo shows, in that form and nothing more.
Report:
12,31
